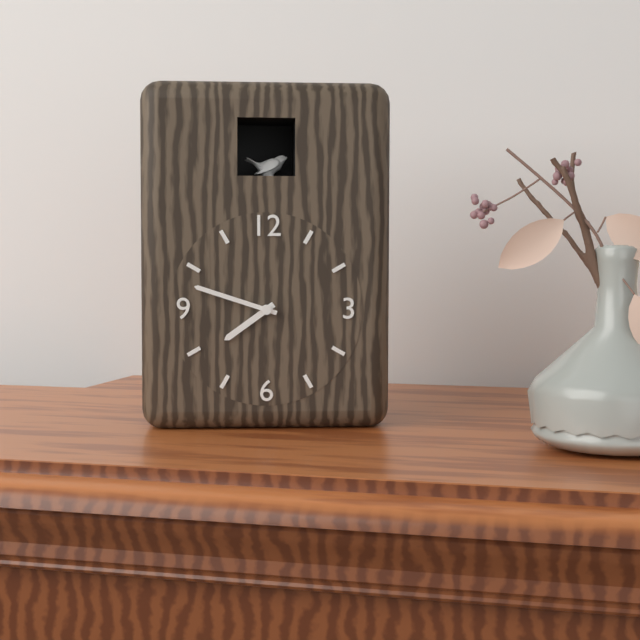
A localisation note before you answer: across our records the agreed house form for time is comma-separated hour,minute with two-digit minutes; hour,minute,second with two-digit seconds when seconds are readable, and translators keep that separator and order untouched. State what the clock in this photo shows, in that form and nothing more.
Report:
7,48
